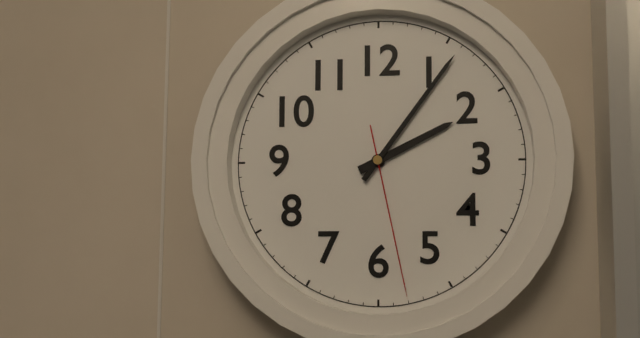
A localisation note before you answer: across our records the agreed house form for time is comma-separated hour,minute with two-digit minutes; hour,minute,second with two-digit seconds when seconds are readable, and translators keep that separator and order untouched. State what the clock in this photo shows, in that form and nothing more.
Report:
2,06,28
